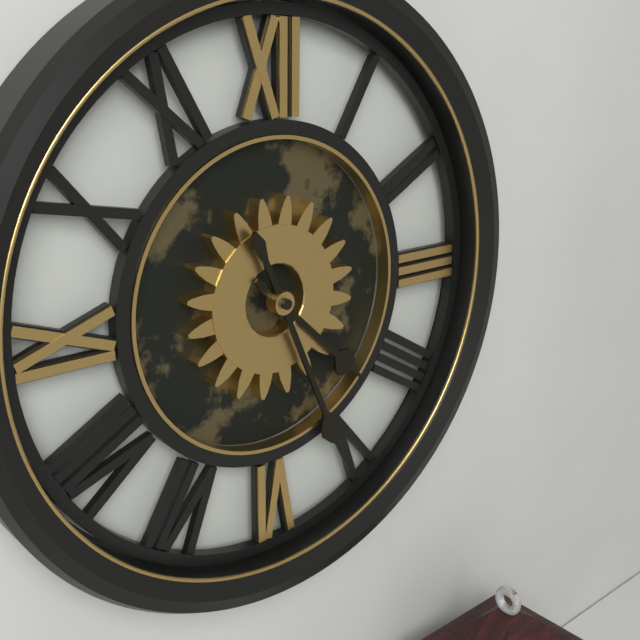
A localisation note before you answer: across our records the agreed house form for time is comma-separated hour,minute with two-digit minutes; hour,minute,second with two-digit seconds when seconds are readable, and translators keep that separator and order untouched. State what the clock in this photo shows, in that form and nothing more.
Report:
4,26
